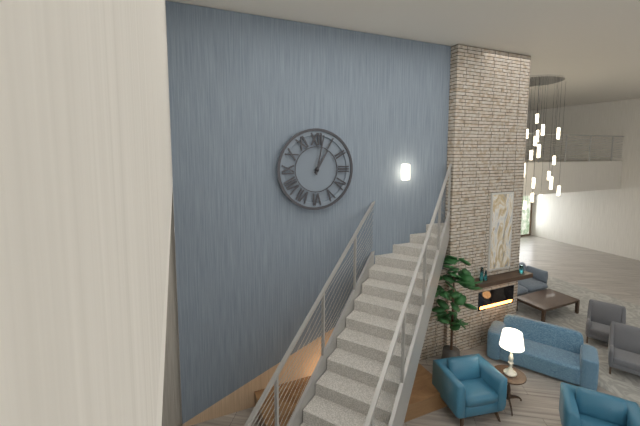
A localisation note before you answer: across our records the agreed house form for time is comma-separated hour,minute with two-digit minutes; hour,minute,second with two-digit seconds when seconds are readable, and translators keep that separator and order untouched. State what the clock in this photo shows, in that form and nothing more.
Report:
1,02
